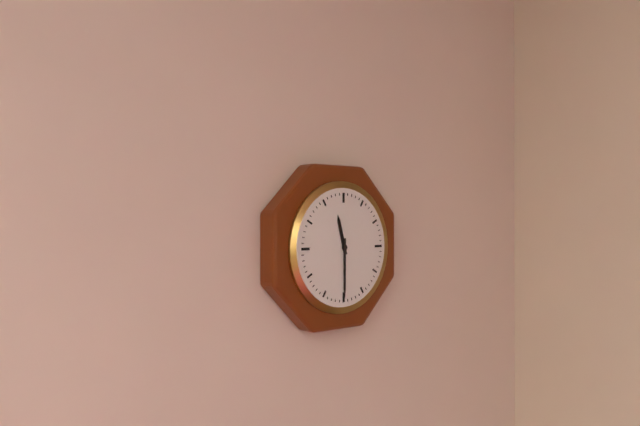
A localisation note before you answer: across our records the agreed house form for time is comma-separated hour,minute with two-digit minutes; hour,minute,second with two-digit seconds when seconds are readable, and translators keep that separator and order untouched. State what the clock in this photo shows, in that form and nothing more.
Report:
11,30
